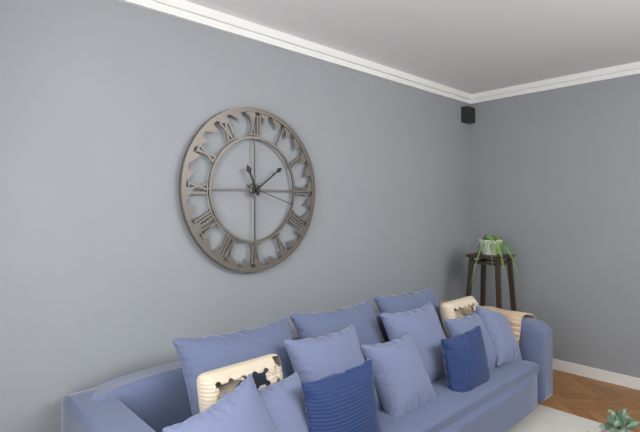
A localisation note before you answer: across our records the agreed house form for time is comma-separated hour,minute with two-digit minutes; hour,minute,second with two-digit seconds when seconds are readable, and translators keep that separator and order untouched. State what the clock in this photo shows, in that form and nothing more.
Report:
11,09
